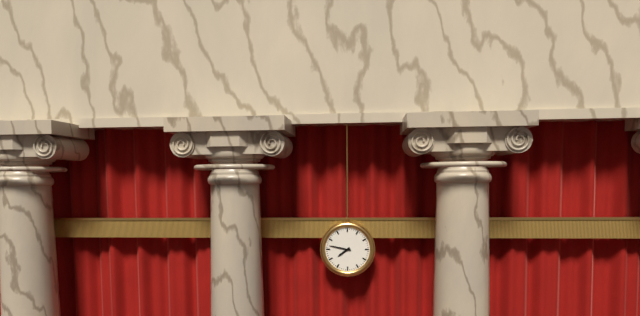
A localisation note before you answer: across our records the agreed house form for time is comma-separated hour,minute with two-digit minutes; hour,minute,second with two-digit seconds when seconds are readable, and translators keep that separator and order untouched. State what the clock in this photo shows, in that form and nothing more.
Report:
7,47
